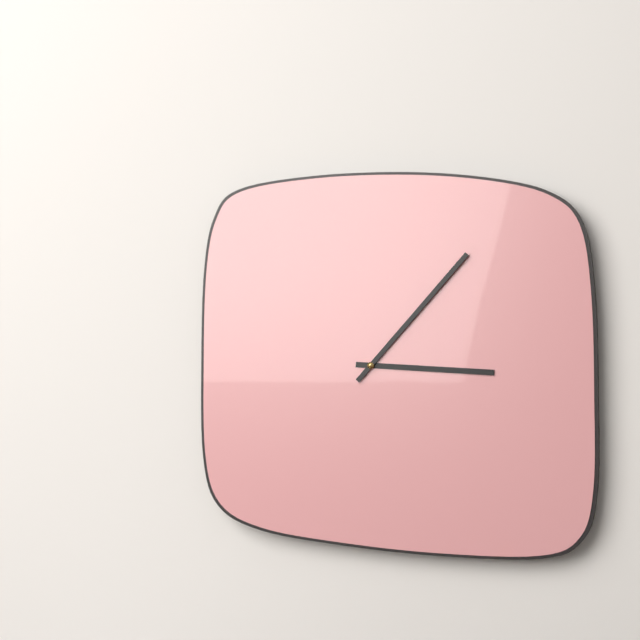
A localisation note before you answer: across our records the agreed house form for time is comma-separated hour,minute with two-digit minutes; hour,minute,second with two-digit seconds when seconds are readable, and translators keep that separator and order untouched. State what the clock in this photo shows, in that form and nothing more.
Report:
3,07
